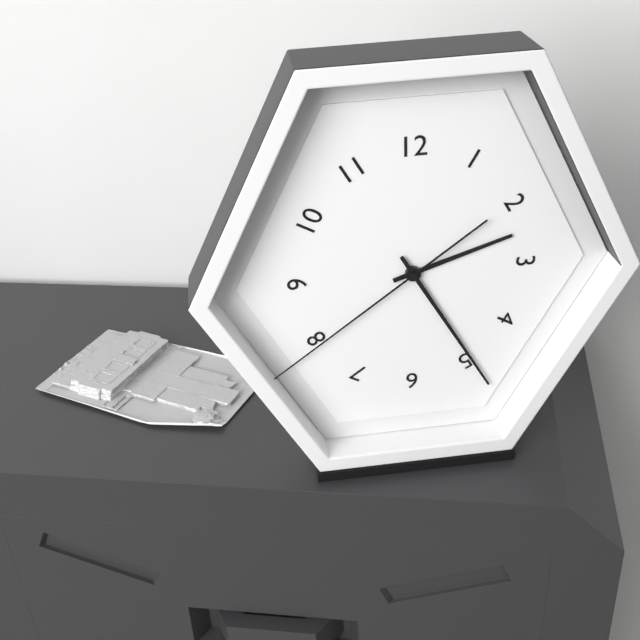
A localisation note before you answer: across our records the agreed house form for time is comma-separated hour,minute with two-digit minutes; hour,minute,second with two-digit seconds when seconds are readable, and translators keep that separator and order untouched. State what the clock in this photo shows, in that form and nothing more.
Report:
2,25,39
